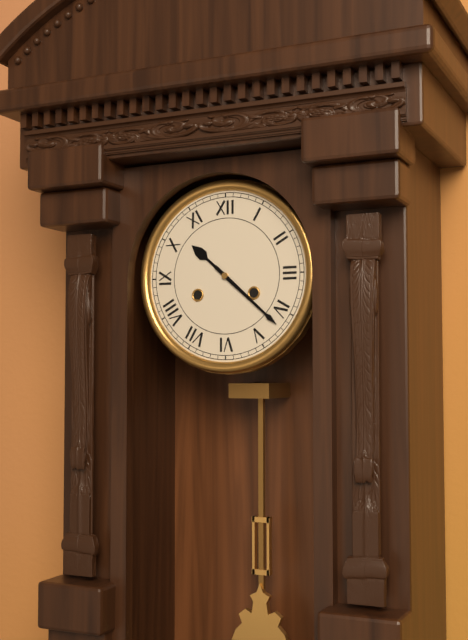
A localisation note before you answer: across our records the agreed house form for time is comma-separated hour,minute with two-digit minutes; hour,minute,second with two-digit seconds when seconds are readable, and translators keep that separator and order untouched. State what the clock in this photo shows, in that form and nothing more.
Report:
10,22
